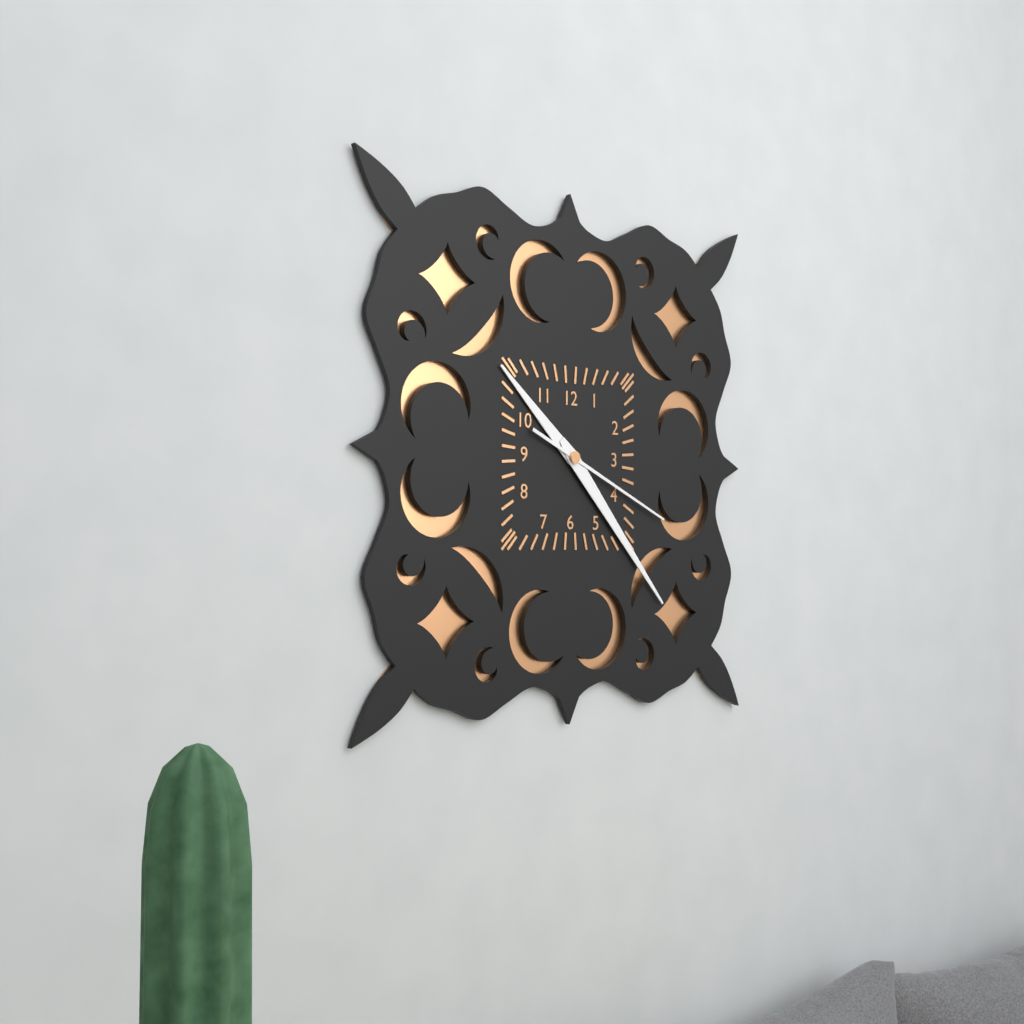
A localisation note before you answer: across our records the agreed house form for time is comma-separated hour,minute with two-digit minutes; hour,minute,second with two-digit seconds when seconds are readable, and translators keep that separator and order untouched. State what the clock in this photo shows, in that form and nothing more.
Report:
10,23,19
